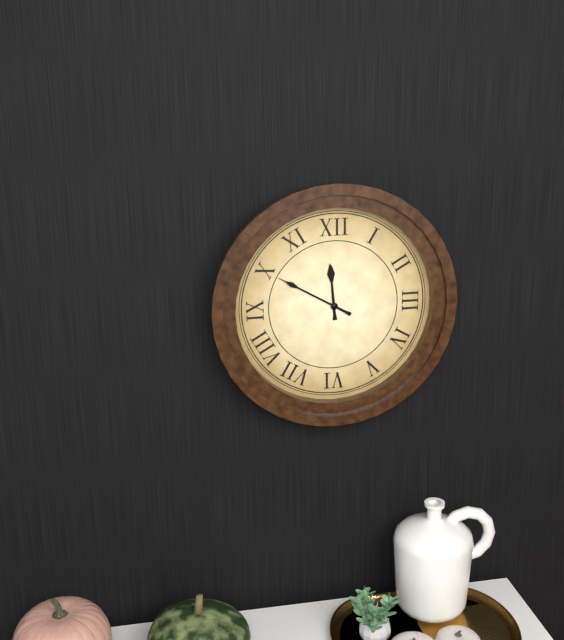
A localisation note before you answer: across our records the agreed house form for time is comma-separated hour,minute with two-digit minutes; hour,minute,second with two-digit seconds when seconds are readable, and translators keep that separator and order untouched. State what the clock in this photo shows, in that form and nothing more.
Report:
11,50
